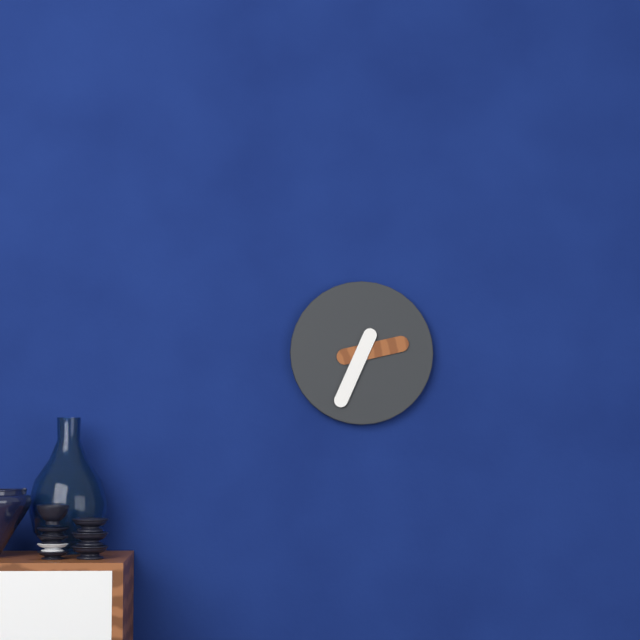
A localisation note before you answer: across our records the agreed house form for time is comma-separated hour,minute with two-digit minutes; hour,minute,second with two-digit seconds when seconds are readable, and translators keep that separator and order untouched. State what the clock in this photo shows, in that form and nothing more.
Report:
2,34
